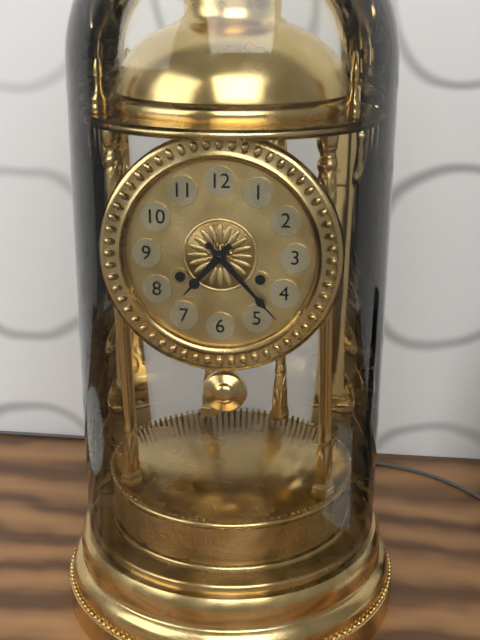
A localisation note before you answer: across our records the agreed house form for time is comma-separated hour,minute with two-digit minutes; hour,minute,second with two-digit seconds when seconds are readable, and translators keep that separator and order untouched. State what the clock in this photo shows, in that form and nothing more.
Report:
7,23
